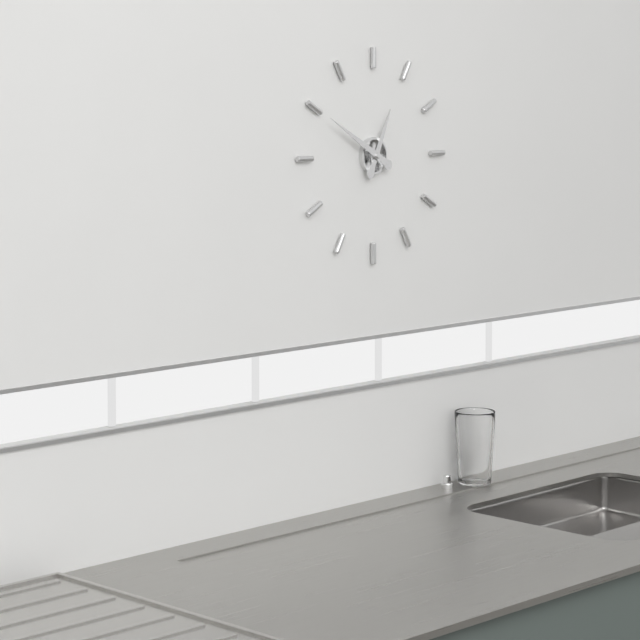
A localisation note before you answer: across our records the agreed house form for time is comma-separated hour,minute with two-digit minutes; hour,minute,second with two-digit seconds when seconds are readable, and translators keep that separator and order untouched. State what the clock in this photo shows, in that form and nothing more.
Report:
12,50
